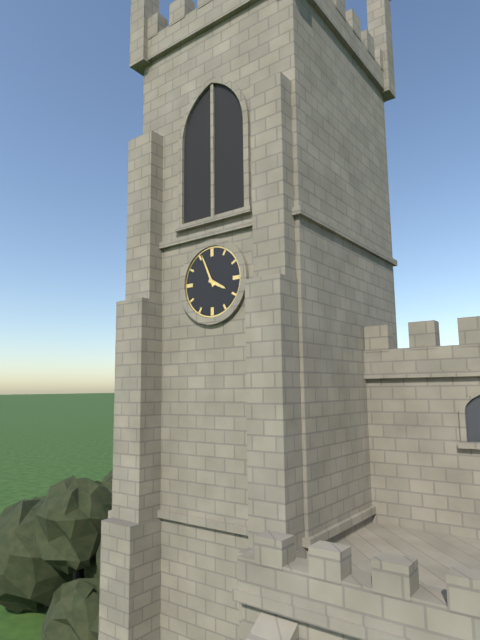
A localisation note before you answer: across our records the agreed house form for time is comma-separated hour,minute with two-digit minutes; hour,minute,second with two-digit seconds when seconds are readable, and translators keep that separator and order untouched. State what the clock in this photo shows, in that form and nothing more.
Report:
3,56
